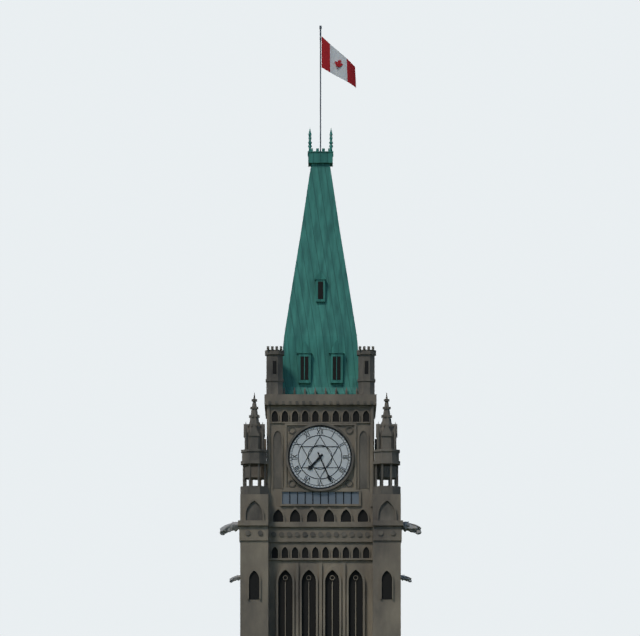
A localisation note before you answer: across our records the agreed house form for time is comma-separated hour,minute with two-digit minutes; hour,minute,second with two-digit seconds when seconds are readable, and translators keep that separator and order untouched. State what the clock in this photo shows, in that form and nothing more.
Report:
7,26
